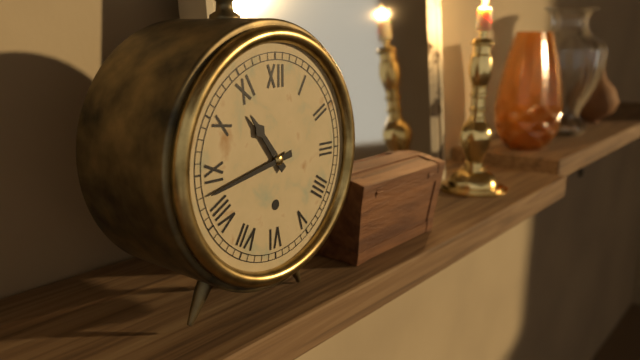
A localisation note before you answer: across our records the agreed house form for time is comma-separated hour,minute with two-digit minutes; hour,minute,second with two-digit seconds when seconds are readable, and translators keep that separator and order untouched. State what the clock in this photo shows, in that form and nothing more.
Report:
10,43
